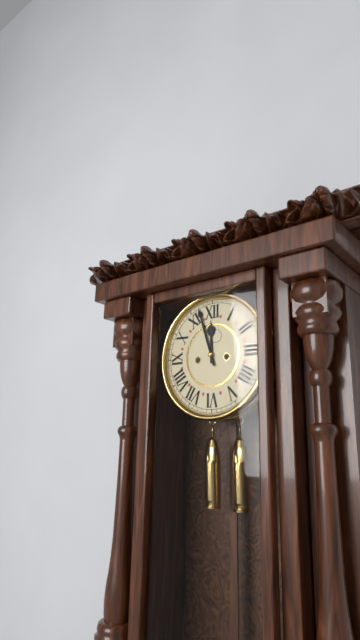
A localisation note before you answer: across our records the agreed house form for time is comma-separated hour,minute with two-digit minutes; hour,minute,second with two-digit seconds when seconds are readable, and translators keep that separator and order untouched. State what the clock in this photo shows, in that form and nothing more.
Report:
11,57
